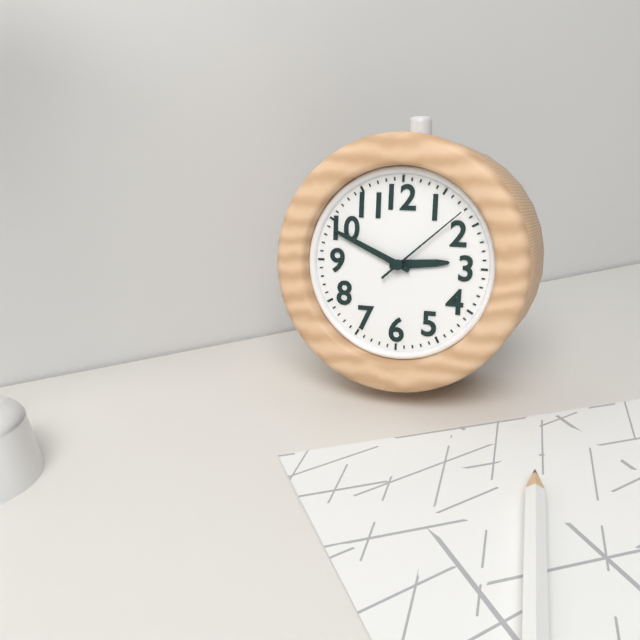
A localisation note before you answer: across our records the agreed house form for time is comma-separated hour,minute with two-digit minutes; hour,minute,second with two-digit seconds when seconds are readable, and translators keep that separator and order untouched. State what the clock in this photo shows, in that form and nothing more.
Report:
2,49,08
